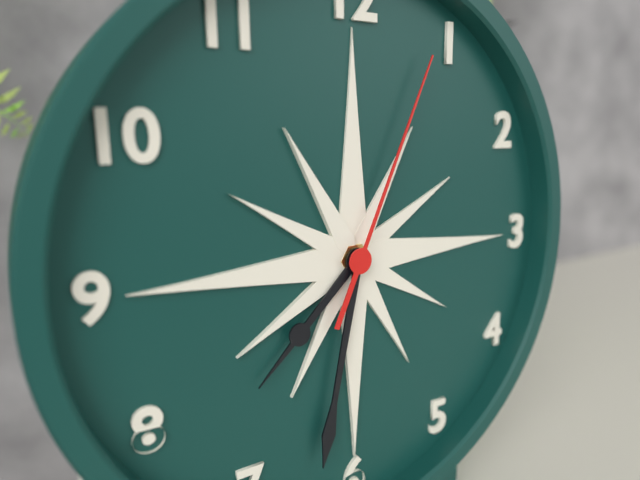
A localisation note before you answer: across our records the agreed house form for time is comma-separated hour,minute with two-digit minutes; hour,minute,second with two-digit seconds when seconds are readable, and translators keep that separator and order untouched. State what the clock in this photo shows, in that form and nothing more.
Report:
7,32,04
